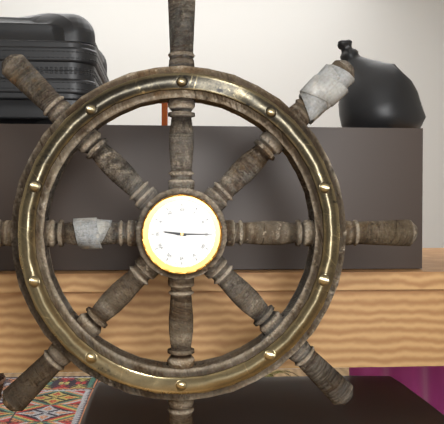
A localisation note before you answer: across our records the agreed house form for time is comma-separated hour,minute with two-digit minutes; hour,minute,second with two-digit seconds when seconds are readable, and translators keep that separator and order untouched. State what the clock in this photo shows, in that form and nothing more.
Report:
9,15
